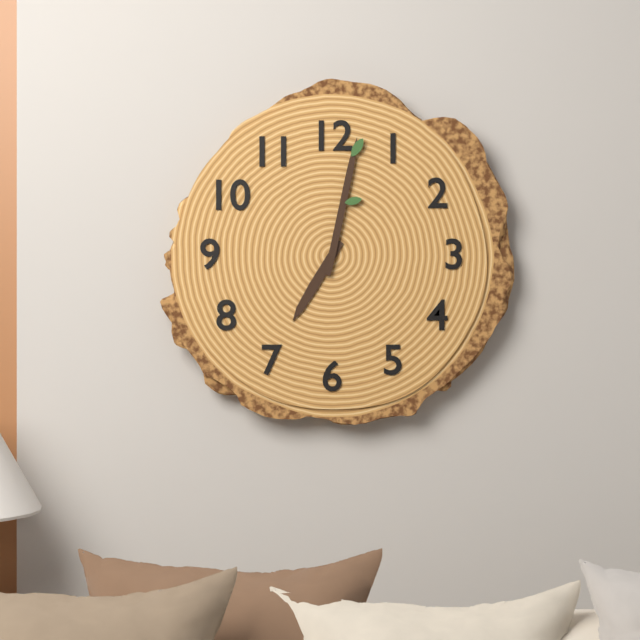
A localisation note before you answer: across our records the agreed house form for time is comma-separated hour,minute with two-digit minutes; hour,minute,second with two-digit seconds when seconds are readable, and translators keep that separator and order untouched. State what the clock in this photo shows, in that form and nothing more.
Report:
7,02
